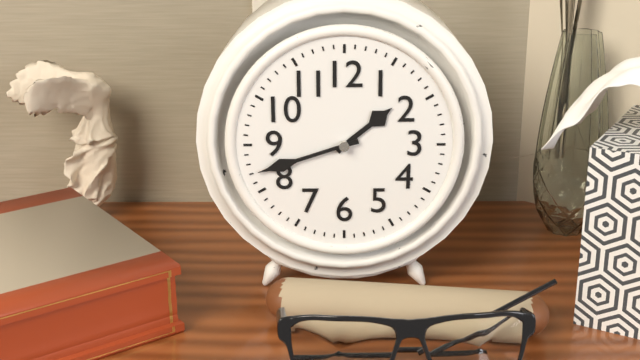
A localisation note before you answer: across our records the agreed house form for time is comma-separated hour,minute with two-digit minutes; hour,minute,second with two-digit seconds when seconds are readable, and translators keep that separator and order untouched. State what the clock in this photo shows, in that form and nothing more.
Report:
1,42
